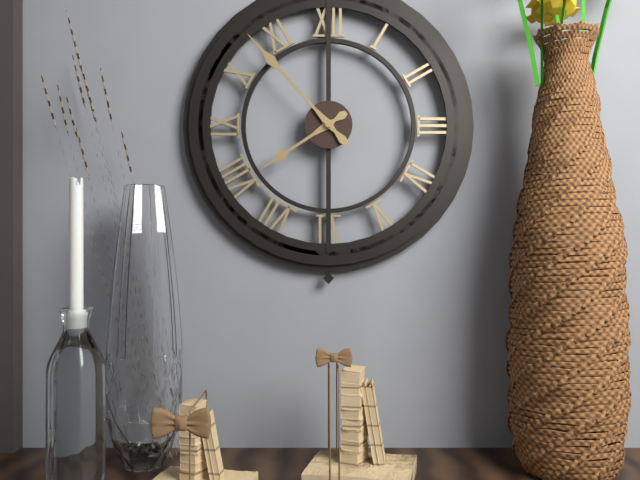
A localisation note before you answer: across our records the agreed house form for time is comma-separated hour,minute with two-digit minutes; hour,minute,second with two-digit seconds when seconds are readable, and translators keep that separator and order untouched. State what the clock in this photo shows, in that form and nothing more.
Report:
7,53
